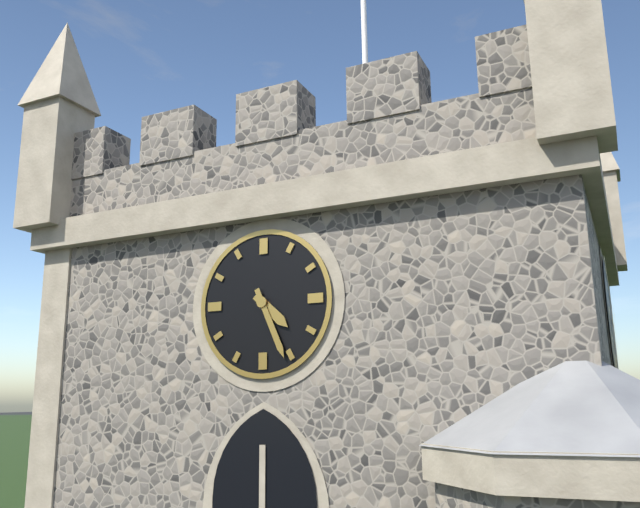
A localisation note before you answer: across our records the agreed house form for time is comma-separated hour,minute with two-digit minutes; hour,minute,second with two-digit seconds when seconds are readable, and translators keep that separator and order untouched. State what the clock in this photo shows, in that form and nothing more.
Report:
4,26
